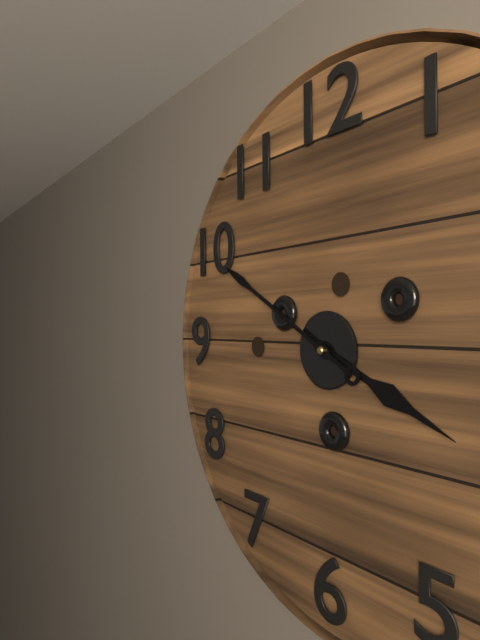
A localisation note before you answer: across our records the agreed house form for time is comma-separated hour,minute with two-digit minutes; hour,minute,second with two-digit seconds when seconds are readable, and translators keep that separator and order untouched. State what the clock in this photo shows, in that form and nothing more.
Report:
3,50
